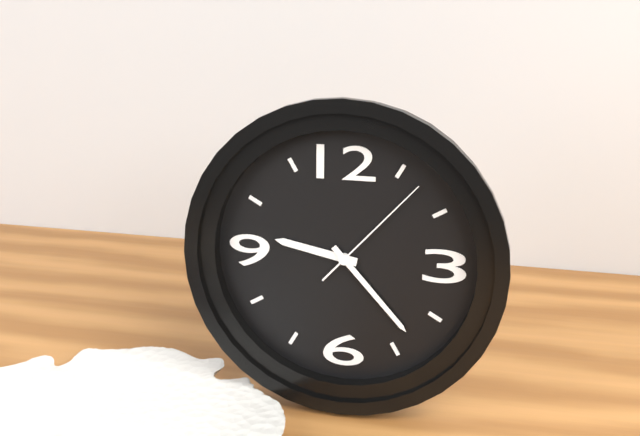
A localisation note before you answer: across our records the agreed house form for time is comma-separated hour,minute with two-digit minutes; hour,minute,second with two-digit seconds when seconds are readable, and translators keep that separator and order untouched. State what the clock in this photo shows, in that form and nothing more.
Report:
9,23,07
